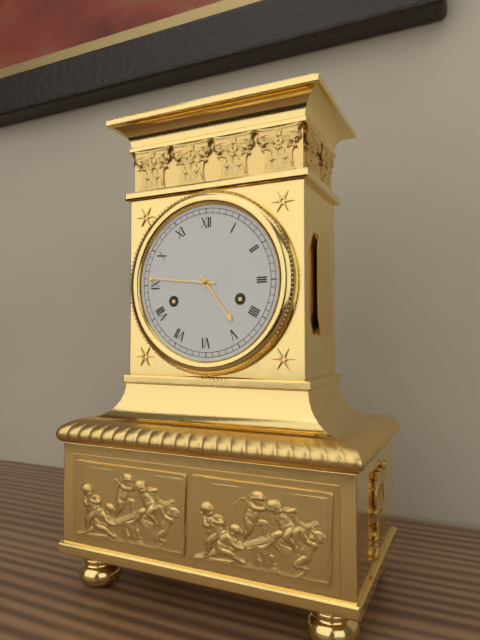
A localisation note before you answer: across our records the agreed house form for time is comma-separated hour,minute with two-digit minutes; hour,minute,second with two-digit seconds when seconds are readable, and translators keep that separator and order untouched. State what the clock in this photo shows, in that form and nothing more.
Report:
4,46
